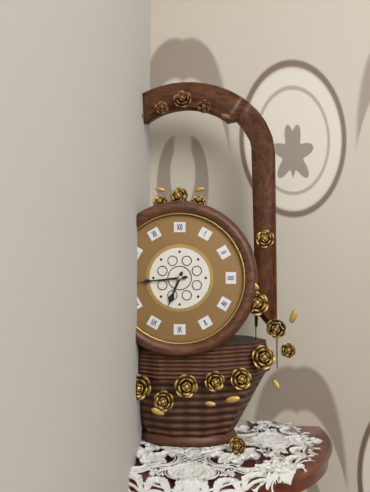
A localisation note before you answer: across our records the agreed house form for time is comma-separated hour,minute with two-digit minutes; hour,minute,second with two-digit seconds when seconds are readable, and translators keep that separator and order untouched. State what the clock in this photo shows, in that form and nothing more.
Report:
6,44
